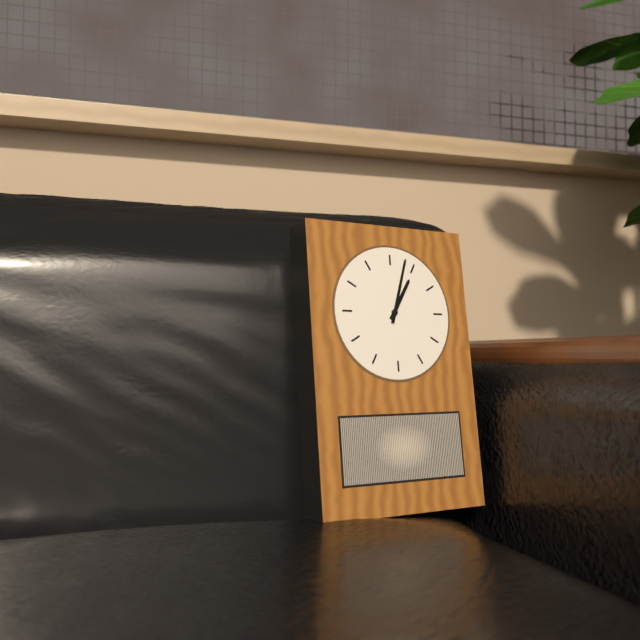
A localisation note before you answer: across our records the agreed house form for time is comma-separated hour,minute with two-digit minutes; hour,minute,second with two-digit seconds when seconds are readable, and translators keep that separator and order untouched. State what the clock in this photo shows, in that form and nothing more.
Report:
1,03
